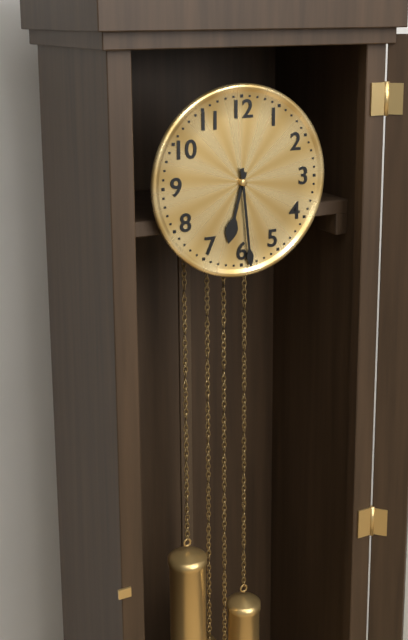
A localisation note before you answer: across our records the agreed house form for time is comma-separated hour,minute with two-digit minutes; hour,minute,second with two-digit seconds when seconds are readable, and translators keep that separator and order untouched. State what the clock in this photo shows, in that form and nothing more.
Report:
6,29
